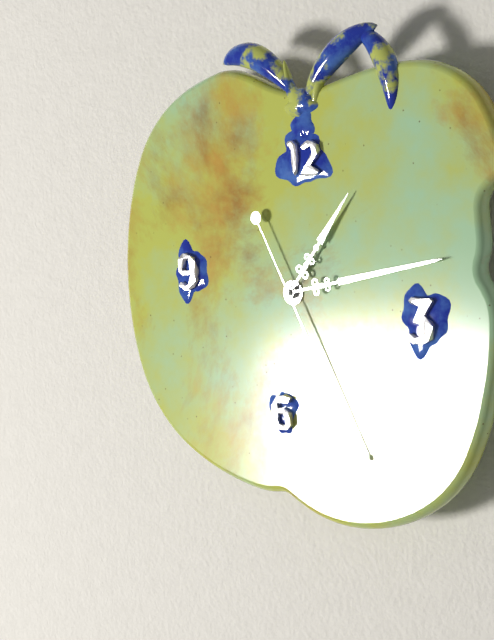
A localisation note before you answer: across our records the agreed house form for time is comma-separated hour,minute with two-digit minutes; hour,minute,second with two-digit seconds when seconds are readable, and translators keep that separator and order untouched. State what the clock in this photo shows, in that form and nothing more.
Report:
1,13,25
